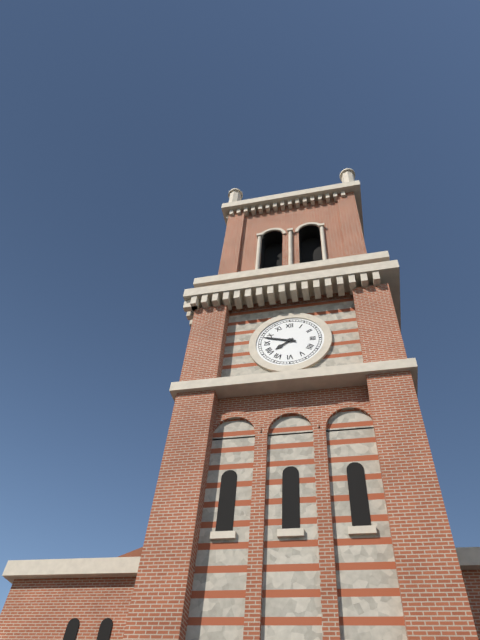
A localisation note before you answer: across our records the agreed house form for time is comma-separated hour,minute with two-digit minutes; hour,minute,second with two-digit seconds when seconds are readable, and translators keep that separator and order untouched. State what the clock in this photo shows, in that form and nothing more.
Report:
7,48
